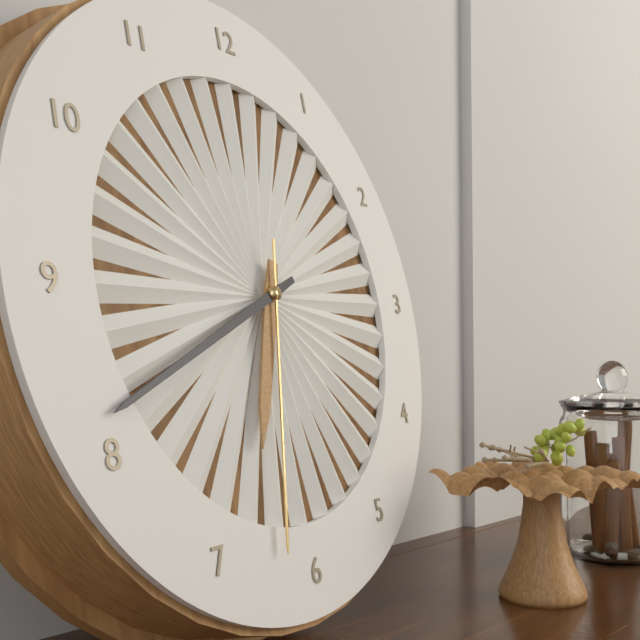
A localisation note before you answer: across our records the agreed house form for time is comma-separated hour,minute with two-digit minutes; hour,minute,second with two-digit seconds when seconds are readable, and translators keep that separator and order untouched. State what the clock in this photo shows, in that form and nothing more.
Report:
6,41,32
